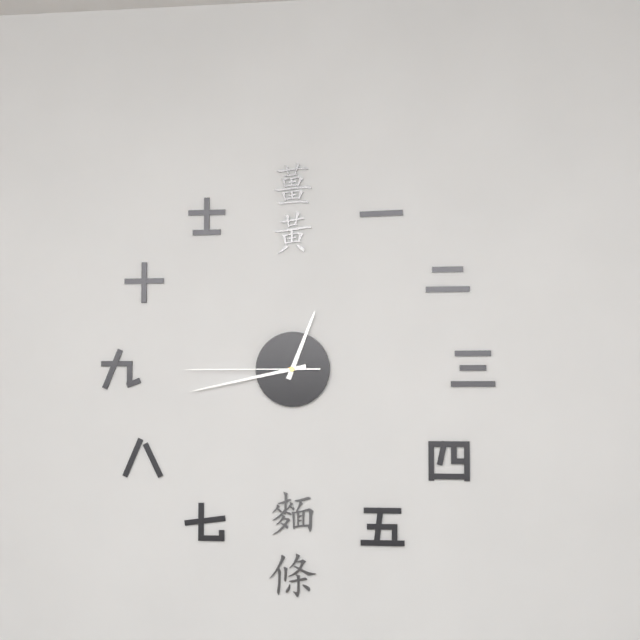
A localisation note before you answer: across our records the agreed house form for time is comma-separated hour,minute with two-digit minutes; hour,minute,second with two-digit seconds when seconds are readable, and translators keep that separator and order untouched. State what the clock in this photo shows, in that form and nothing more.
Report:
12,43,45
